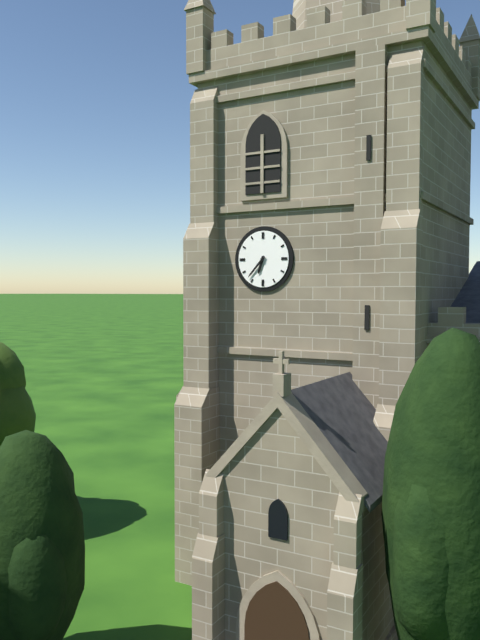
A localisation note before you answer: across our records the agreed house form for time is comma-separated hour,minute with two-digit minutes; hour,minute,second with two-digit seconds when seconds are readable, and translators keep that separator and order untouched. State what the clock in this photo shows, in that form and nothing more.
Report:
6,37
